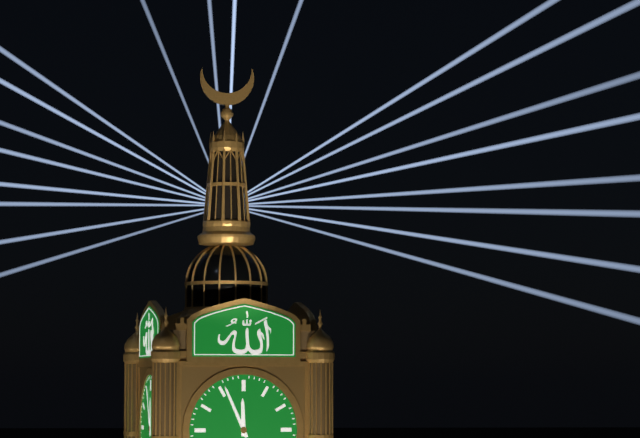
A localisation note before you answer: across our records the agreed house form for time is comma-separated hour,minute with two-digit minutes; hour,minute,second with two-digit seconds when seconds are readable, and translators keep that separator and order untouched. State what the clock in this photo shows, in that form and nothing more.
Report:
11,56
